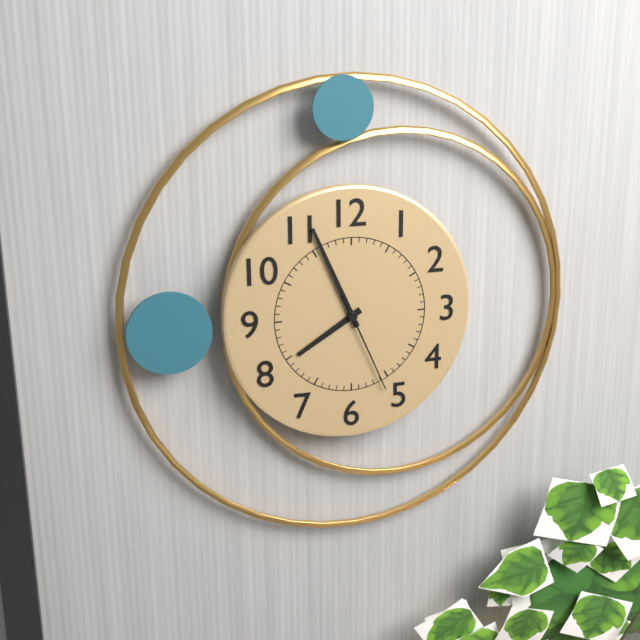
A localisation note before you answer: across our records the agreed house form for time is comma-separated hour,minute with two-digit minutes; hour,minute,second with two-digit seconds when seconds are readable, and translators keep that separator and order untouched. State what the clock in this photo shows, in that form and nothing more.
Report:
7,56,26
